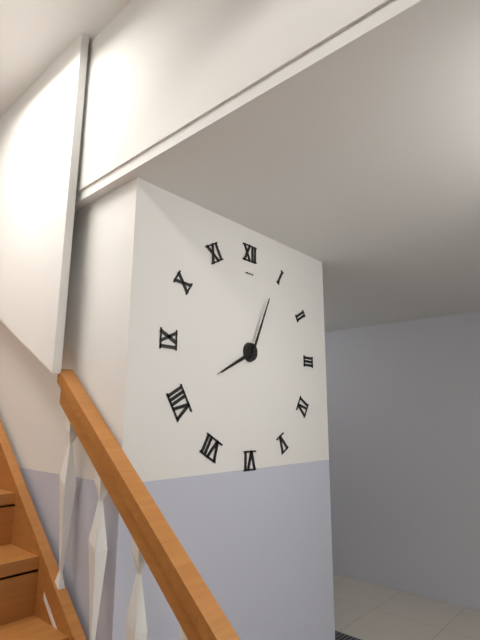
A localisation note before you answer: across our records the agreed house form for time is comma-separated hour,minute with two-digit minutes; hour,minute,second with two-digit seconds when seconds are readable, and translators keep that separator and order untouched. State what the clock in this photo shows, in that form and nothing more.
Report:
8,04
